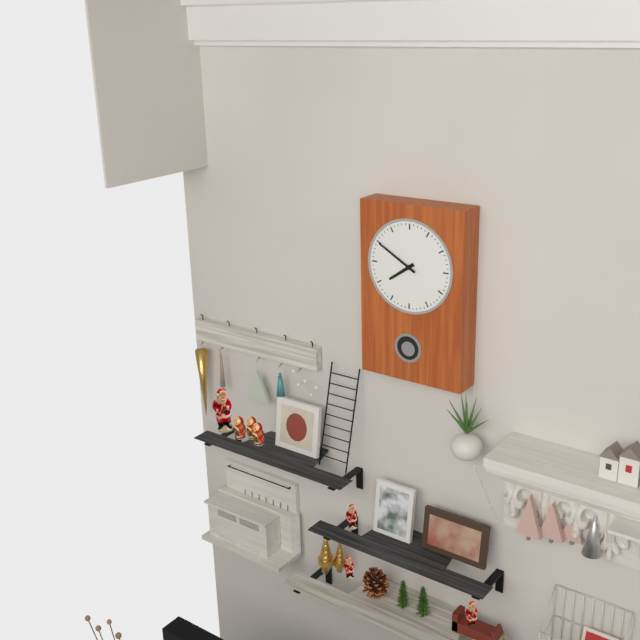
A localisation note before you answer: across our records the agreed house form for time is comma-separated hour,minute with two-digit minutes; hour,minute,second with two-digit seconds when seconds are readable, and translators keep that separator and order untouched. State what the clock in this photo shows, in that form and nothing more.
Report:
7,50
